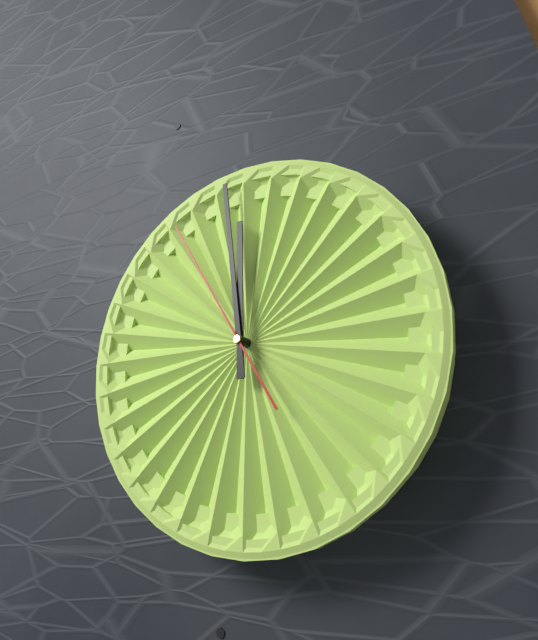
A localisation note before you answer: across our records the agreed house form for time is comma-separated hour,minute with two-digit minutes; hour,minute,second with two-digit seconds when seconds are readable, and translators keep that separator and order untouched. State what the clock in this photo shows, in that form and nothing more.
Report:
11,59,55
